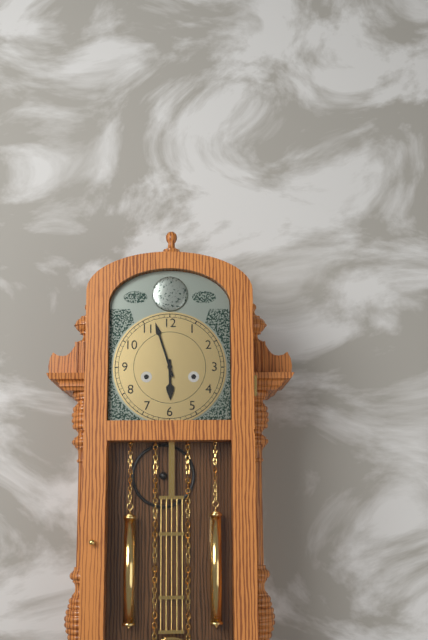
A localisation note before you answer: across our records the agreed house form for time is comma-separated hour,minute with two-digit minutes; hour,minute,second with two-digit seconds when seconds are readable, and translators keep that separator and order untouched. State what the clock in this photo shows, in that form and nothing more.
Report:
5,57
